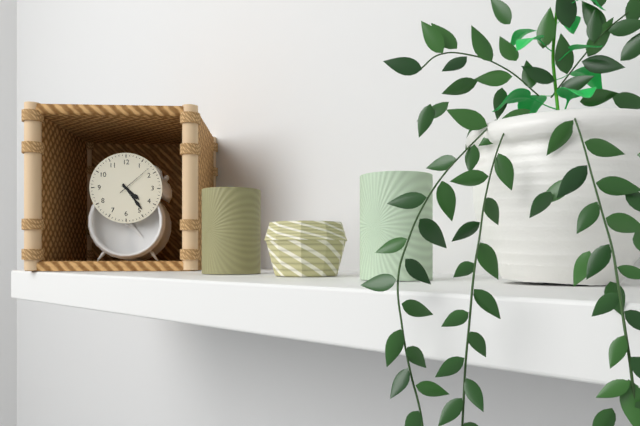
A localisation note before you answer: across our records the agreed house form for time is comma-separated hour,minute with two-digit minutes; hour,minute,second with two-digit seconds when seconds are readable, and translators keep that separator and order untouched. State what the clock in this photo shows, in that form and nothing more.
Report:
4,24
